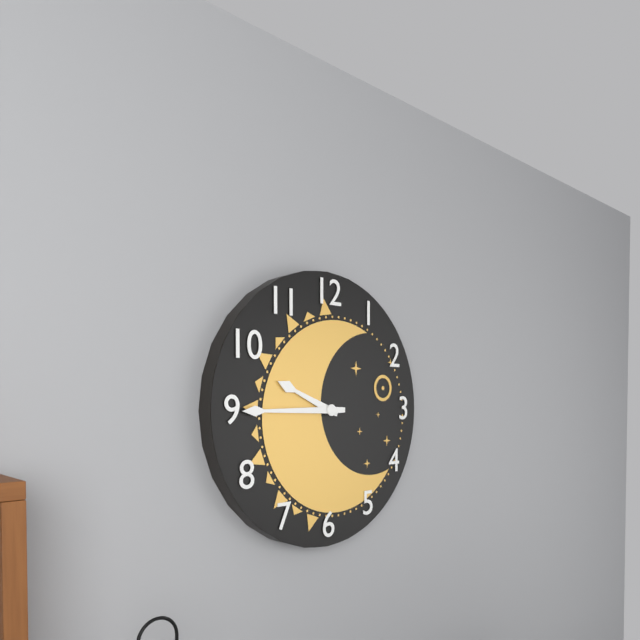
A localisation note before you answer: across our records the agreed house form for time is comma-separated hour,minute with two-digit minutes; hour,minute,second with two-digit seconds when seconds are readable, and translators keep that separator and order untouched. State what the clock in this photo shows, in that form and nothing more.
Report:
9,45
